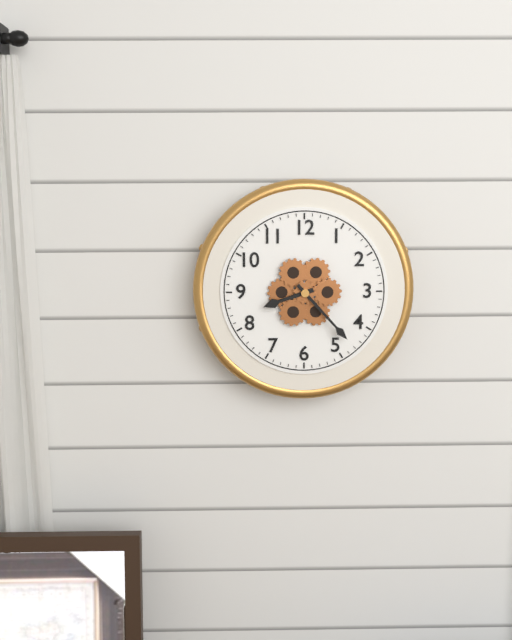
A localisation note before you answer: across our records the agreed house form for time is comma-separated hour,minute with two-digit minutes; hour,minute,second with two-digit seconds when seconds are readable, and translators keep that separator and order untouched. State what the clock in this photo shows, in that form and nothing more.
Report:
8,23
